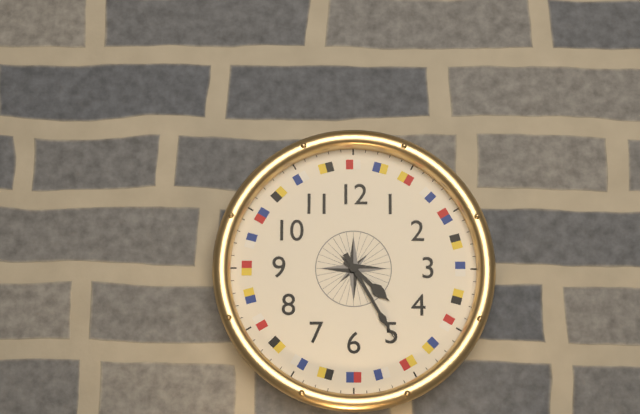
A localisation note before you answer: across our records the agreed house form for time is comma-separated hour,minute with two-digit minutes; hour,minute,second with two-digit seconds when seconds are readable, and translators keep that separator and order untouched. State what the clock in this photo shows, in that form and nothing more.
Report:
4,25
